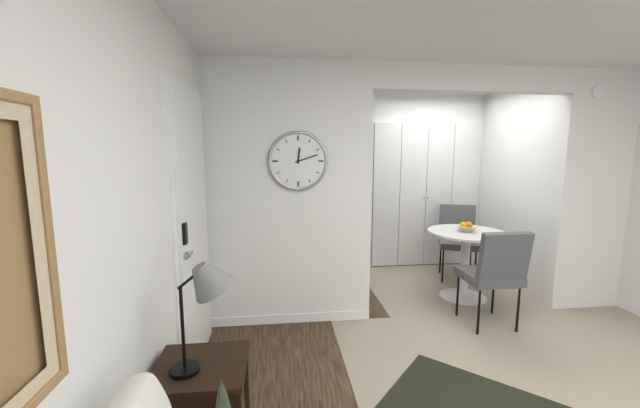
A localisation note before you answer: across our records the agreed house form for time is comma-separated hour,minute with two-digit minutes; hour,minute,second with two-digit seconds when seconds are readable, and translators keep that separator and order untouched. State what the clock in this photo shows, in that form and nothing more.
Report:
12,12
